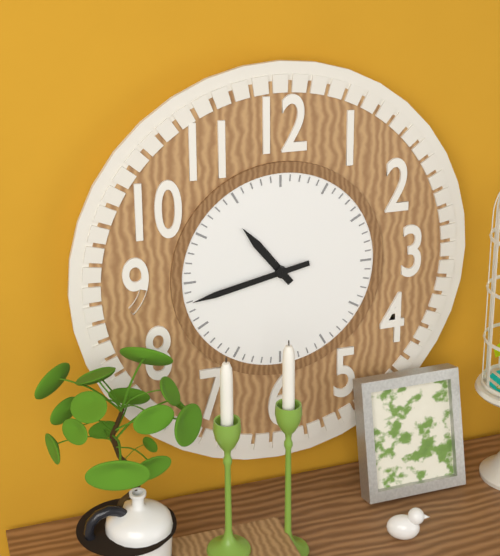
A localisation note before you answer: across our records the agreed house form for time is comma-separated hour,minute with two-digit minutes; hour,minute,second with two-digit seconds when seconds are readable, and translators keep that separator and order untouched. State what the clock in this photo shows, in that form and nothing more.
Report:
10,43
